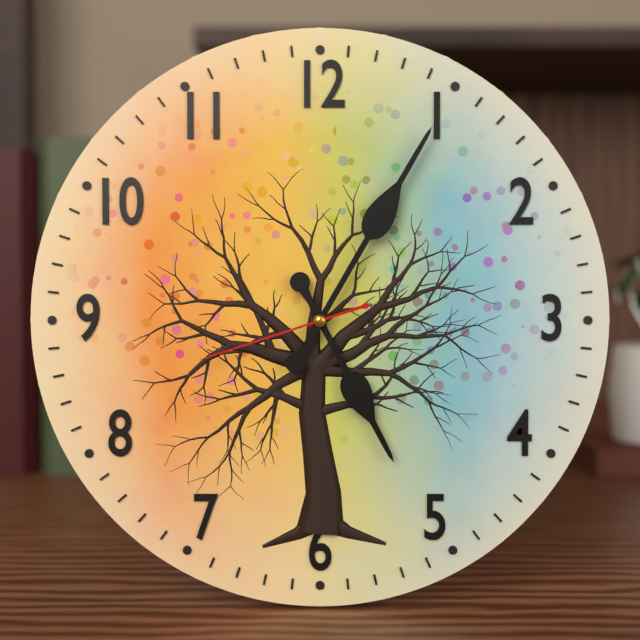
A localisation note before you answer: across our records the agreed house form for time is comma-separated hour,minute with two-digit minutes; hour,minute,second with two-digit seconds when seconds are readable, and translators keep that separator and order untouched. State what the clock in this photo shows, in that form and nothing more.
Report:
5,05,42
